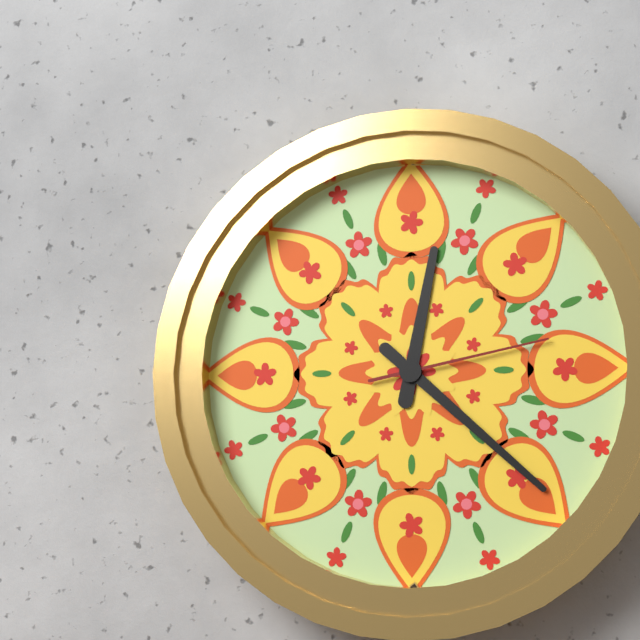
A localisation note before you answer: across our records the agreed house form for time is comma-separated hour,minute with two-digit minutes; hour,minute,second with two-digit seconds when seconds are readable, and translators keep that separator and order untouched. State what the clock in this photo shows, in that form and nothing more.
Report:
12,22,13
